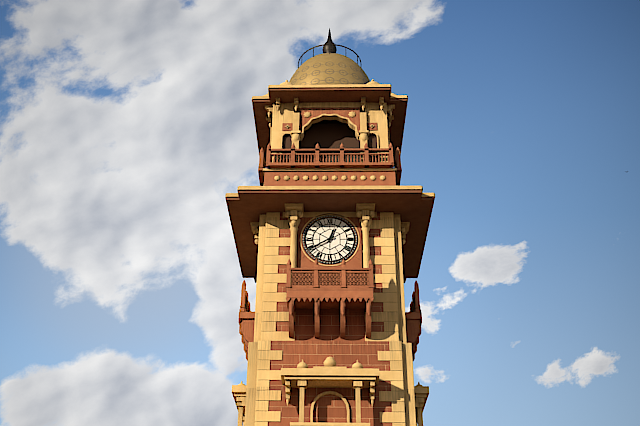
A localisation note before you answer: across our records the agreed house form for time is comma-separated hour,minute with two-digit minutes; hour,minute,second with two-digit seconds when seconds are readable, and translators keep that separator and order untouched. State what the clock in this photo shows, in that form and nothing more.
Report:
12,40
